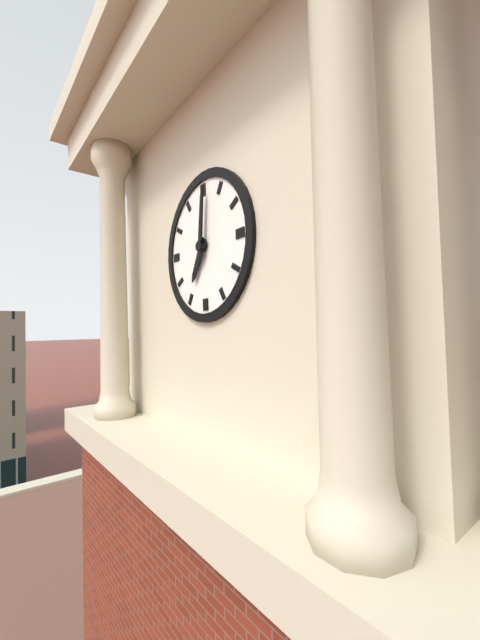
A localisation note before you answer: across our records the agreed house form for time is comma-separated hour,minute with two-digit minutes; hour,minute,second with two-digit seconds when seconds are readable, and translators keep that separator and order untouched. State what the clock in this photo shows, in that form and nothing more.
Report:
7,01
